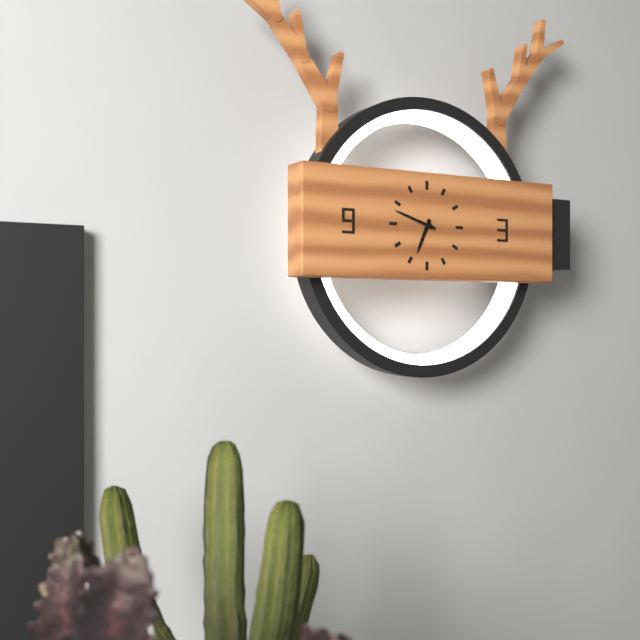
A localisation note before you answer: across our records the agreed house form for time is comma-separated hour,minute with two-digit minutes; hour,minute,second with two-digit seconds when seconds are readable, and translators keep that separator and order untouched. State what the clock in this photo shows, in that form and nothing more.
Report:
6,48
